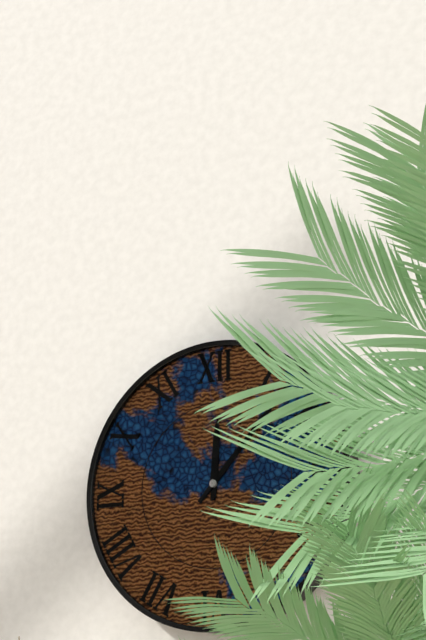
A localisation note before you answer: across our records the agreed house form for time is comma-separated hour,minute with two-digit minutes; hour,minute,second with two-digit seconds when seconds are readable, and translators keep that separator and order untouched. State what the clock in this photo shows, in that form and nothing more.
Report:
12,07
